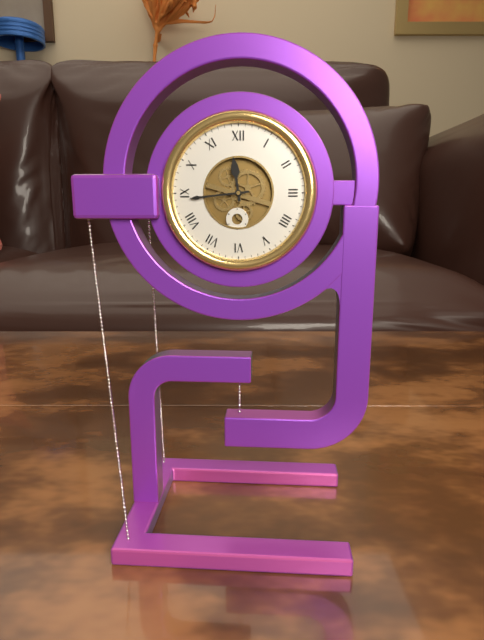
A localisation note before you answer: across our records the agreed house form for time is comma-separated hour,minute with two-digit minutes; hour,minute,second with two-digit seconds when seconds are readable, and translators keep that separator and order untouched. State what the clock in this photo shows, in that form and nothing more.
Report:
11,44
